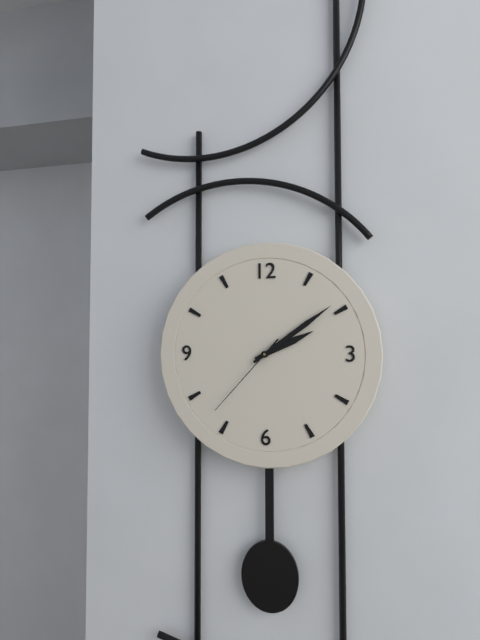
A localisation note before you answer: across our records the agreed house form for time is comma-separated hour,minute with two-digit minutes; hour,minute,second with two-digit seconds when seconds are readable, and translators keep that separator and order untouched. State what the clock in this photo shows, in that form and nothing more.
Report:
2,09,37
